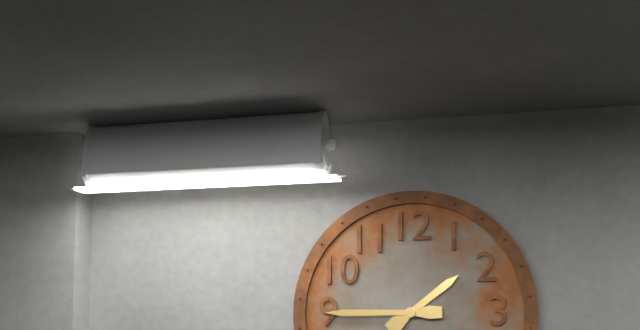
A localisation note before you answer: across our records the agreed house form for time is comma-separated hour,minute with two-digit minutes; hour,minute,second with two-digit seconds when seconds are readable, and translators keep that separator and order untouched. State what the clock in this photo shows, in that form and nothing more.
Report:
1,45
